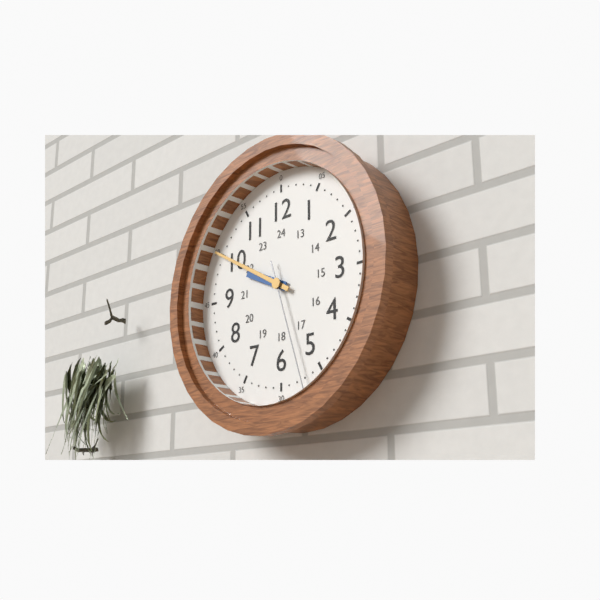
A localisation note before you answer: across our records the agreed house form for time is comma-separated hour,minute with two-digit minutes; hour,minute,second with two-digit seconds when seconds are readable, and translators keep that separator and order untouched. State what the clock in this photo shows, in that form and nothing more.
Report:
9,50,27
